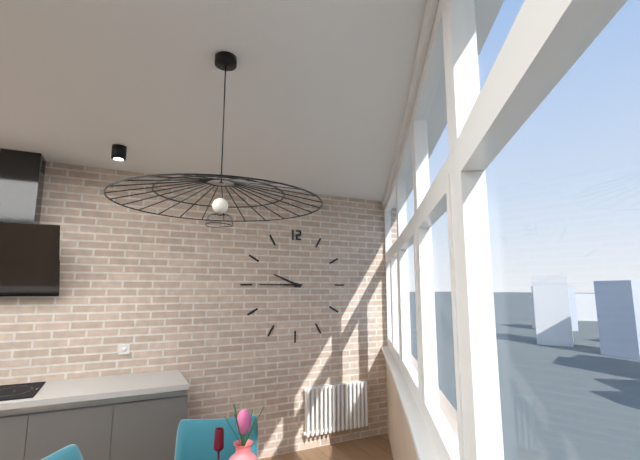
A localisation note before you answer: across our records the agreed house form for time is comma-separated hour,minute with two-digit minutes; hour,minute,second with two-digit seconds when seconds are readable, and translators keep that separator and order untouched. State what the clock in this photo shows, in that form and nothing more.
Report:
9,45
